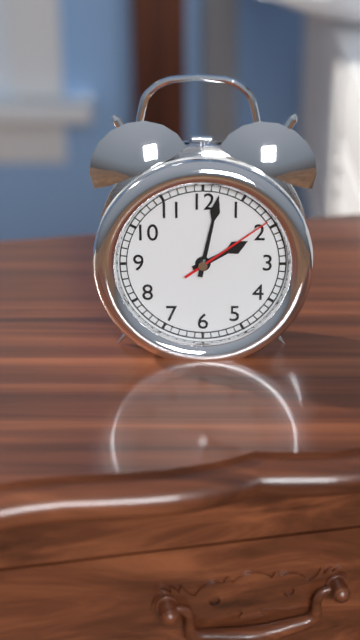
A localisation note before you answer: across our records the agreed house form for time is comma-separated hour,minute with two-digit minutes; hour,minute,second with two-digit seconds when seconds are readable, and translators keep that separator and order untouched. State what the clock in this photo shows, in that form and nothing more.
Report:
2,02,09
